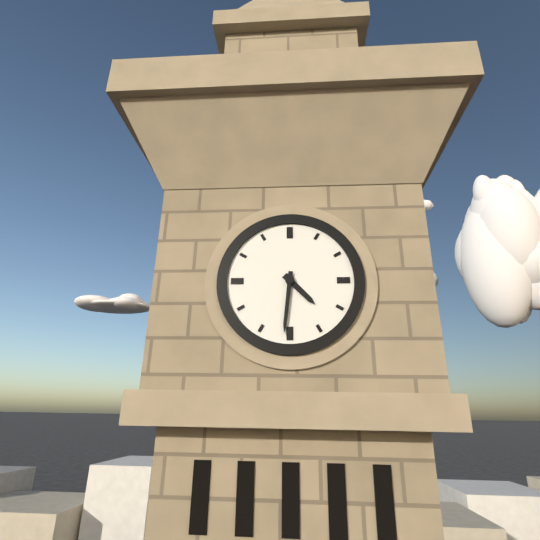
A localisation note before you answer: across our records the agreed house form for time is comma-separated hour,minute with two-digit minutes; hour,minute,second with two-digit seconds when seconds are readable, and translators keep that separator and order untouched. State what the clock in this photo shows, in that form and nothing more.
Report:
4,31
